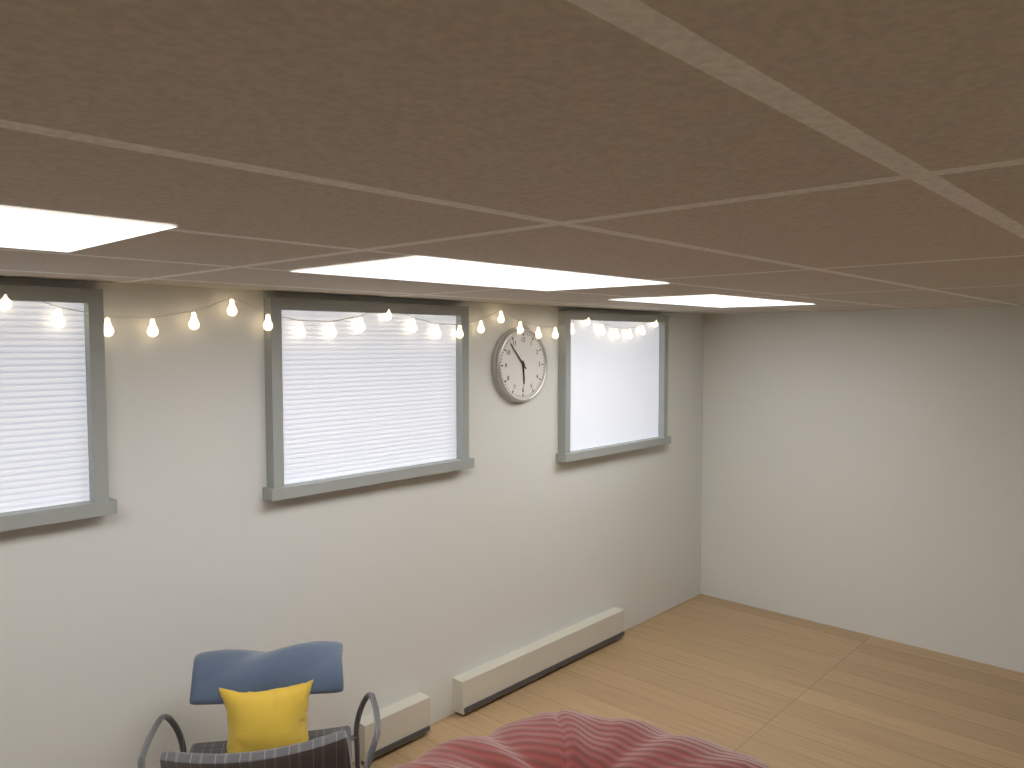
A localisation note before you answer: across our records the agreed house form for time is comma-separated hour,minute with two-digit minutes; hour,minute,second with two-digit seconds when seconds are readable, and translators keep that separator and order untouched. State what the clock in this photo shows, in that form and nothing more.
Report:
5,53
